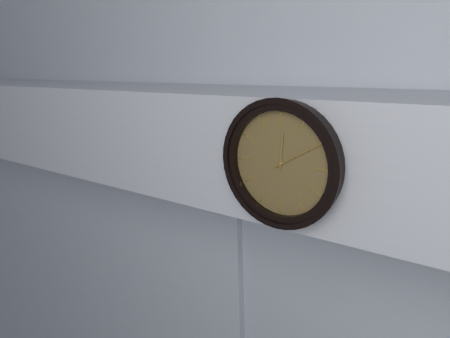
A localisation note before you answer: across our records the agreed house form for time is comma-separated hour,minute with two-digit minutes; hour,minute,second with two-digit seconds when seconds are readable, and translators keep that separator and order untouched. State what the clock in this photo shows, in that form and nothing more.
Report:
12,10
